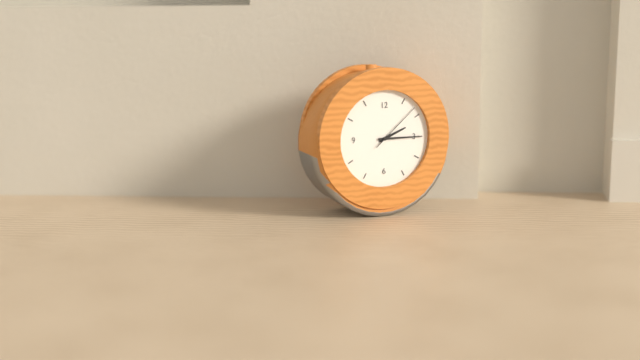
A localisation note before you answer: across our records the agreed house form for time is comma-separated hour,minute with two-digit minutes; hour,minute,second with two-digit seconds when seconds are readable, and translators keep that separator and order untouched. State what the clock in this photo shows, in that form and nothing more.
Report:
2,15,08
